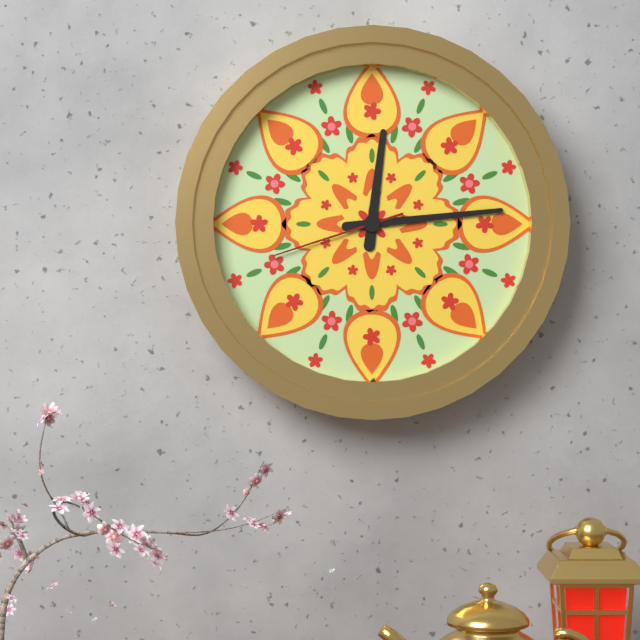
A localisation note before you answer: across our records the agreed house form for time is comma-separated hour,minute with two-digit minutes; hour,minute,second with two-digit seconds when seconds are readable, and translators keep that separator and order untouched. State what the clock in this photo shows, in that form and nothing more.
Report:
12,14,42
